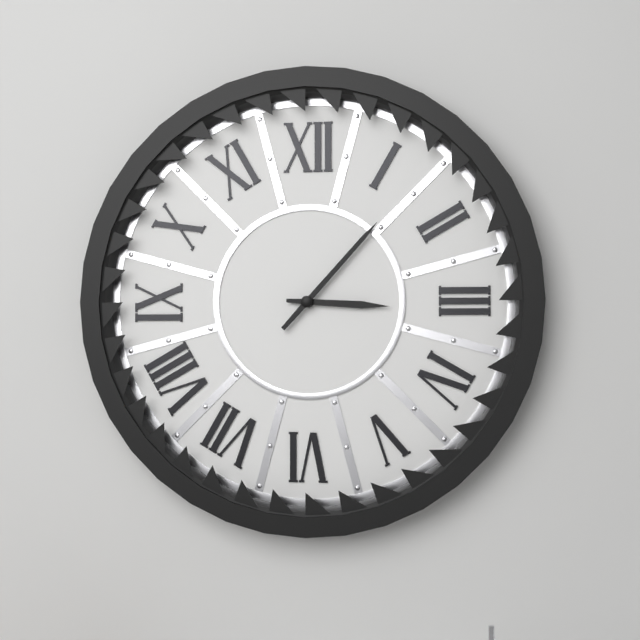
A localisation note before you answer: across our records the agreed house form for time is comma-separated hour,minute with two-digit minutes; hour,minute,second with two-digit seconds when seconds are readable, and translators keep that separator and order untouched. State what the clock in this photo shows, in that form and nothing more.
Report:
3,07
